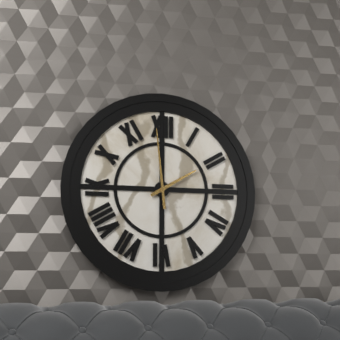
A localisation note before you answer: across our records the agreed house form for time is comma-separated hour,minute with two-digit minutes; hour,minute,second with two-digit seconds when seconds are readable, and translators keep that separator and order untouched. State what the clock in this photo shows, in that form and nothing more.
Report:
1,59
